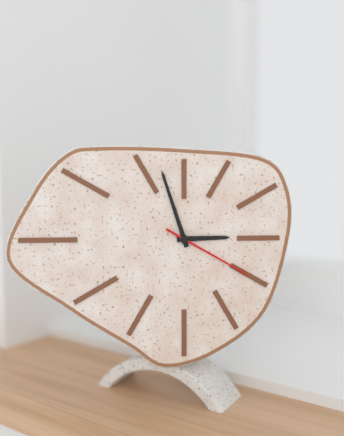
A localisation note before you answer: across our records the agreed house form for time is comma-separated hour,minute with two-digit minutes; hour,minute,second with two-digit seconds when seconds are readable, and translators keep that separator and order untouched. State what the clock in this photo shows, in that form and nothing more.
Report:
2,57,20
